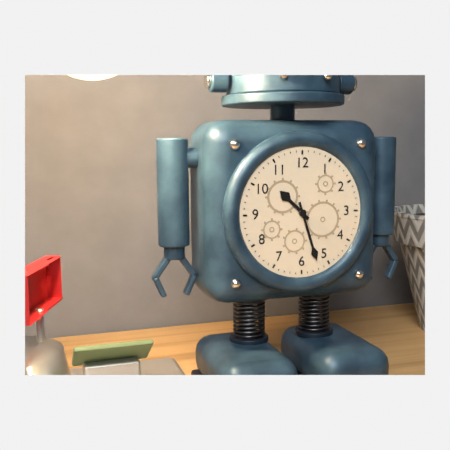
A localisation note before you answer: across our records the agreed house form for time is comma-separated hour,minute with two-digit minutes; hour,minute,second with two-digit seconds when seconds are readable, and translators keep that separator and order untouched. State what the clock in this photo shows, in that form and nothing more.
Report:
10,27
